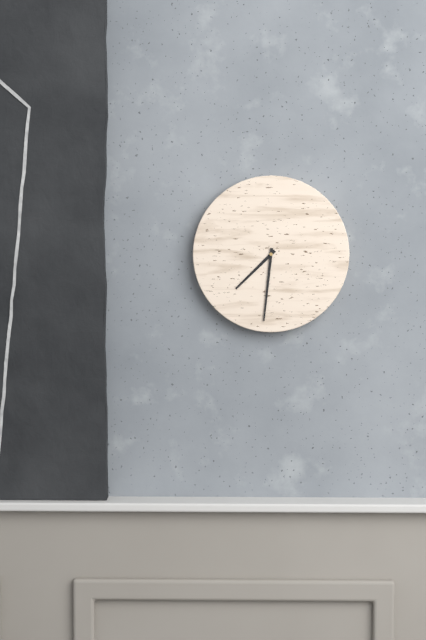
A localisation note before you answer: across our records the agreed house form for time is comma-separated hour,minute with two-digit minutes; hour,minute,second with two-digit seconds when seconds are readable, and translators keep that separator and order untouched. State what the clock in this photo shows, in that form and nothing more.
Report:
7,31
